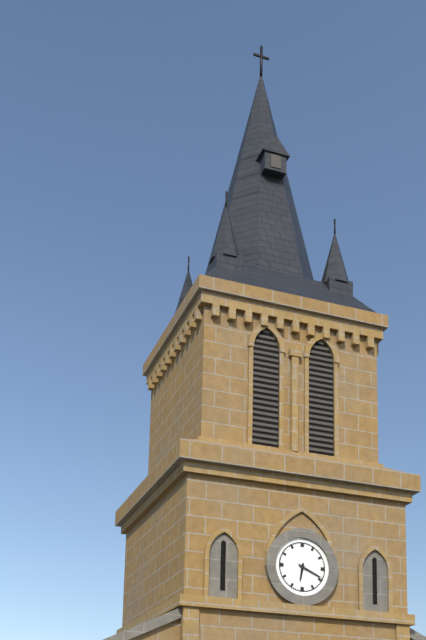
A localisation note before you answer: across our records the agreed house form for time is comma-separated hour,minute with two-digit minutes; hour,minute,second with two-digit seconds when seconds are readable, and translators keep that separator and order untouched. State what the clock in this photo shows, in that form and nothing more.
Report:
6,19
